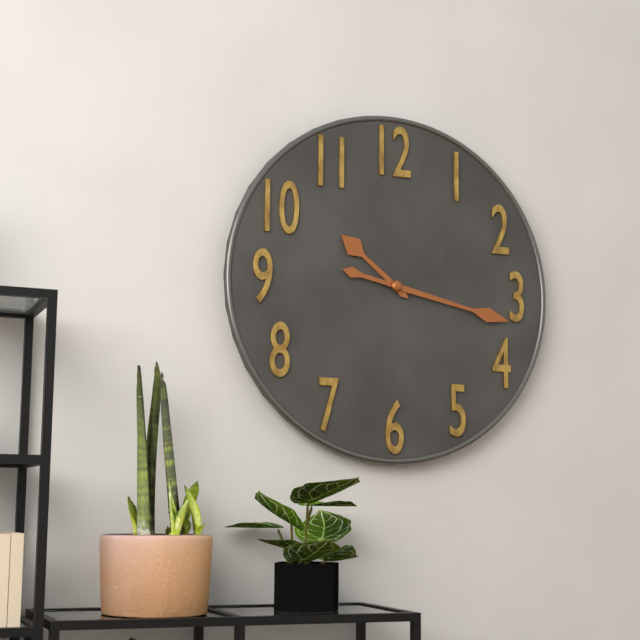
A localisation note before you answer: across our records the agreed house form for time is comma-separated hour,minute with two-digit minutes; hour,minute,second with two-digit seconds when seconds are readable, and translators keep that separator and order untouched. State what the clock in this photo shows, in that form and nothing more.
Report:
10,17
